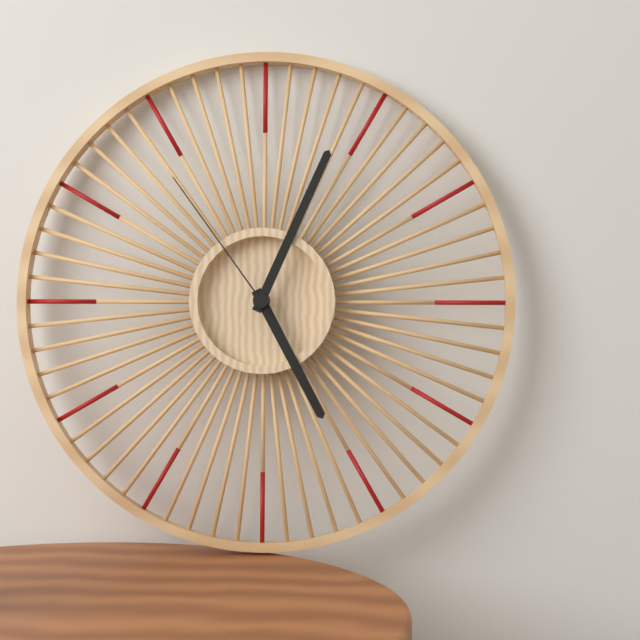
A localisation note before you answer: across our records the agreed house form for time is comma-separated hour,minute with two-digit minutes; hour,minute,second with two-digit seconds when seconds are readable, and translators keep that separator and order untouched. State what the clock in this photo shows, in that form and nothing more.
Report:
5,04,54
